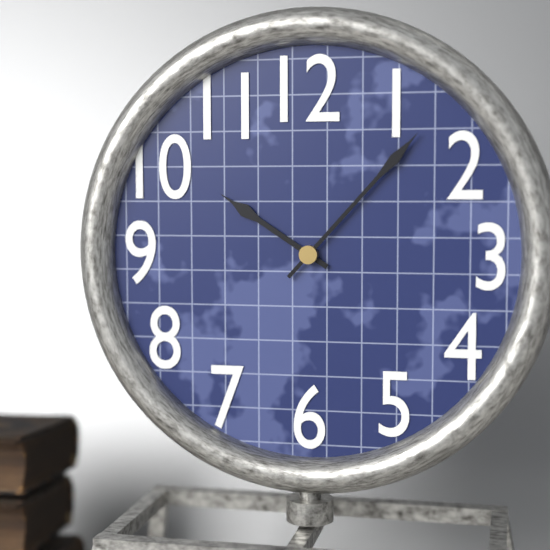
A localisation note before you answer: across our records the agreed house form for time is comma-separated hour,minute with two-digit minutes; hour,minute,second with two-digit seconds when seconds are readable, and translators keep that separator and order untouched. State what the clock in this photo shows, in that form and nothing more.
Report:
10,07
